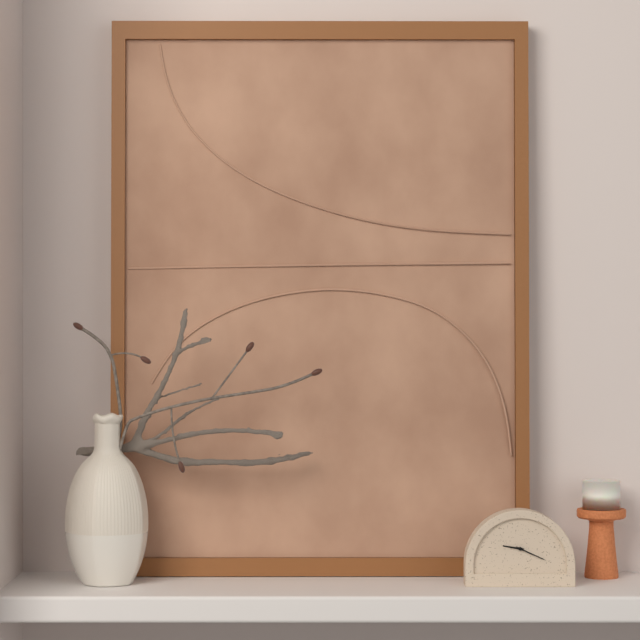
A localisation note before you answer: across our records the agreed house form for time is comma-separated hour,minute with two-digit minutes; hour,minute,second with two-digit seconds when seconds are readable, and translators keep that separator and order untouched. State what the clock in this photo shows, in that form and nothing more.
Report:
9,19
